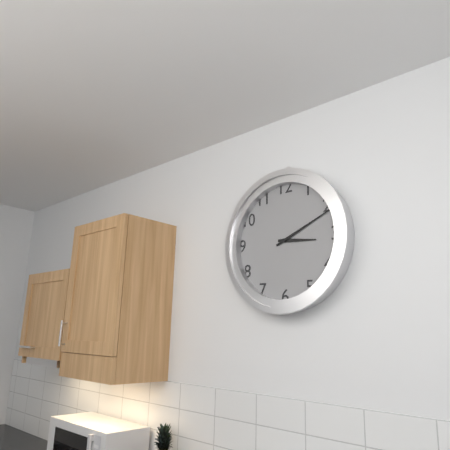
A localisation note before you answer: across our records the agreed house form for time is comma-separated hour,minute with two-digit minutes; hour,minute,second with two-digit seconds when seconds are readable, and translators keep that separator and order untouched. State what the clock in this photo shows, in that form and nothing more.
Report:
3,11
